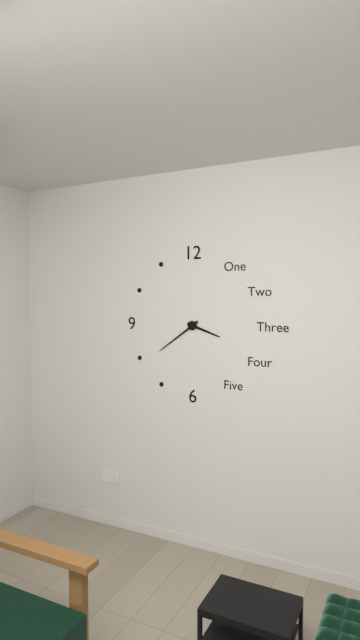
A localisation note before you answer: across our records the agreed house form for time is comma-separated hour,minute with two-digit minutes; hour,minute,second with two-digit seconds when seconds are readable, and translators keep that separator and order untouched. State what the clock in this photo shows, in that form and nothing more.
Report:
3,39
